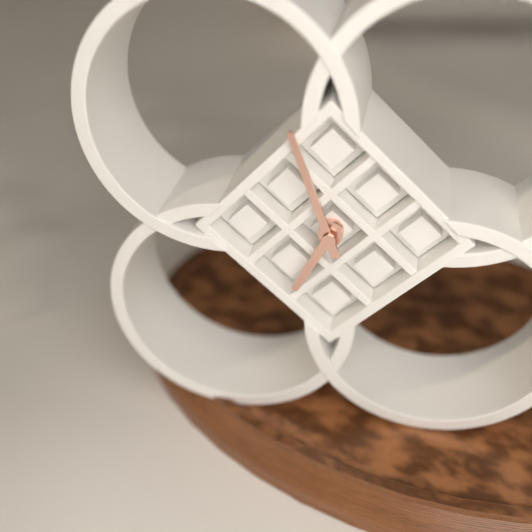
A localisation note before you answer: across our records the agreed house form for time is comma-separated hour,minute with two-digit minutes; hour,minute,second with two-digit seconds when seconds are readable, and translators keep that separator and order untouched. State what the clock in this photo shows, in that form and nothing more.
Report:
6,57
